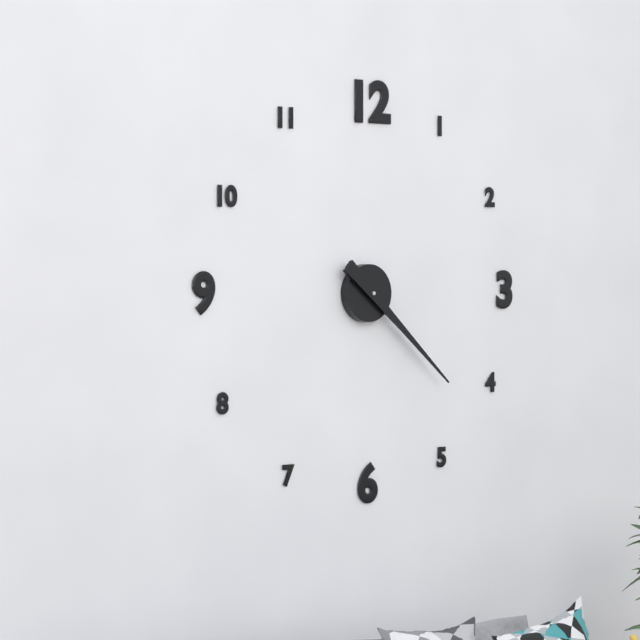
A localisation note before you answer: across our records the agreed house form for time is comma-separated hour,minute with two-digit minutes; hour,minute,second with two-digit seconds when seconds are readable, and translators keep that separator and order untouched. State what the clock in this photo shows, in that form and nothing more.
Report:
4,22
